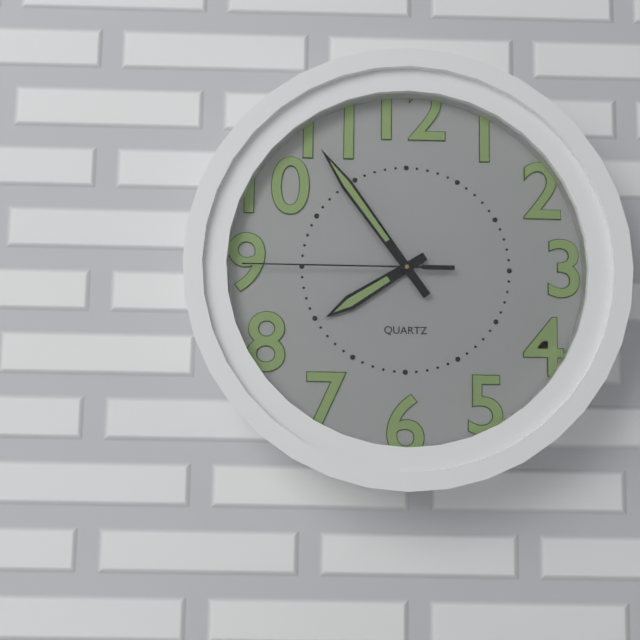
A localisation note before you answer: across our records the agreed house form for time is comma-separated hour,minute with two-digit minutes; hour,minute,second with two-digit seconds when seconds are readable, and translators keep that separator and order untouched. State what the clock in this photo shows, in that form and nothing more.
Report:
7,54,45
